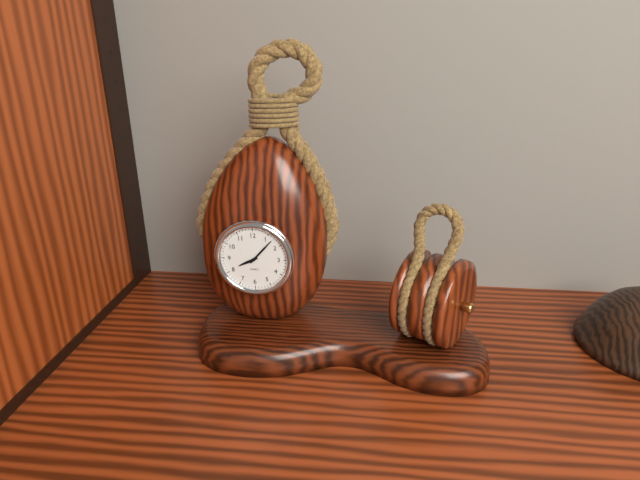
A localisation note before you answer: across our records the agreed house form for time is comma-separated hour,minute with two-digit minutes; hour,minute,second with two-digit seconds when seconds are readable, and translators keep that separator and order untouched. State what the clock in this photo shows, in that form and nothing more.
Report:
8,07
